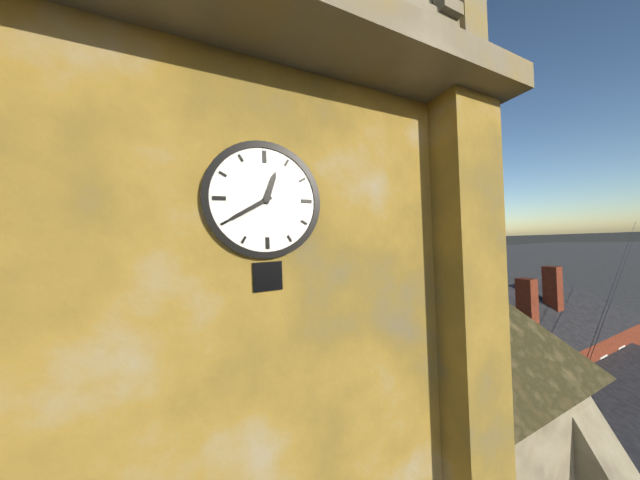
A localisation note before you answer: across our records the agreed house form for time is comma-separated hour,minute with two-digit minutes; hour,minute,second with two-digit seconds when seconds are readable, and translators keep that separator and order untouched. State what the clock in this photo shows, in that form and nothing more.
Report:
12,40
